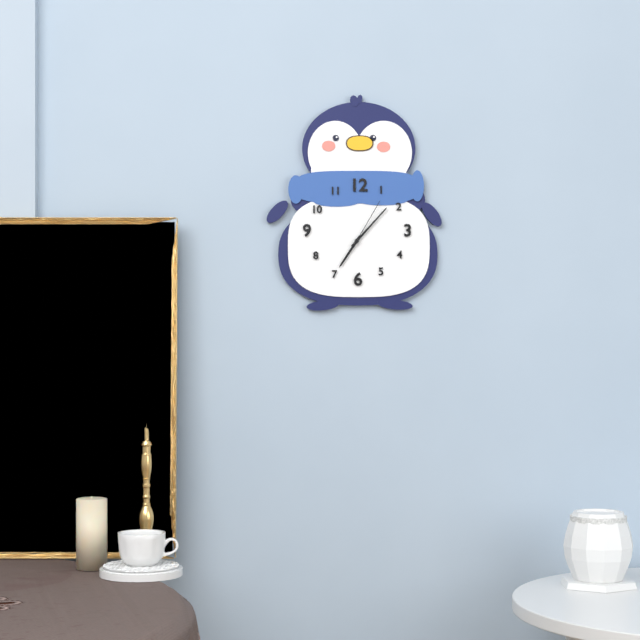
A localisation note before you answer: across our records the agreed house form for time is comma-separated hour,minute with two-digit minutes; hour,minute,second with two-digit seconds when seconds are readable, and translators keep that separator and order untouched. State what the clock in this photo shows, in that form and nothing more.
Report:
7,07,05
